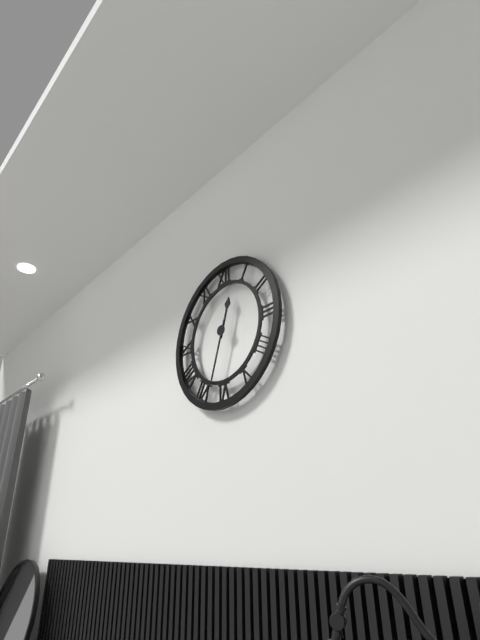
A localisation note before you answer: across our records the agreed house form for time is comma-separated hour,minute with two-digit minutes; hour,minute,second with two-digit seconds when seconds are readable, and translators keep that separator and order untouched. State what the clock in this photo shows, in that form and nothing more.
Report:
12,33
